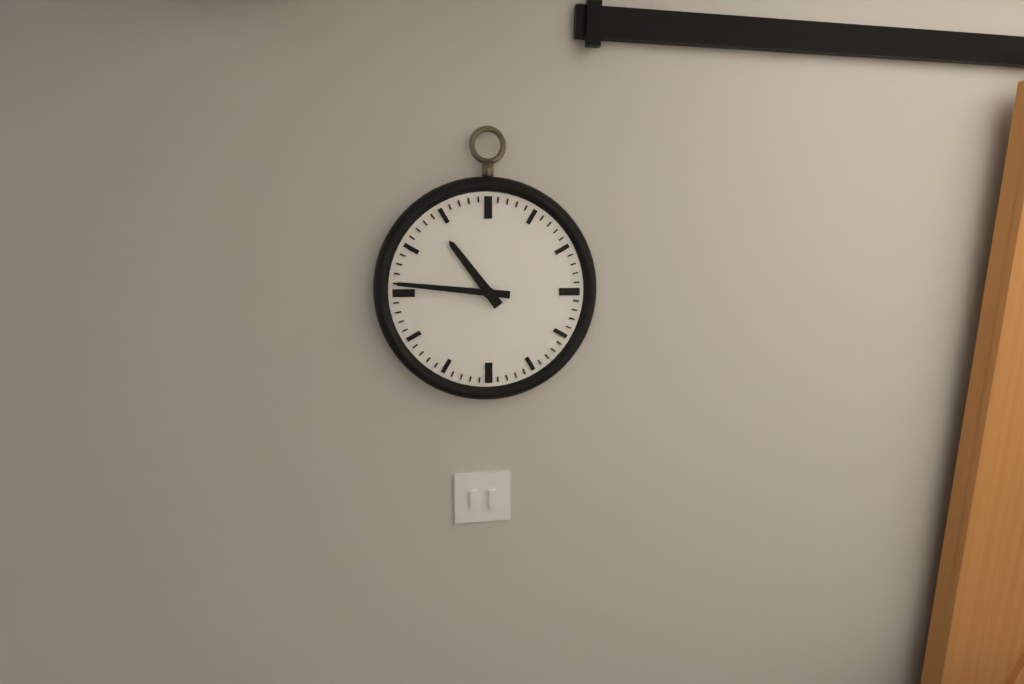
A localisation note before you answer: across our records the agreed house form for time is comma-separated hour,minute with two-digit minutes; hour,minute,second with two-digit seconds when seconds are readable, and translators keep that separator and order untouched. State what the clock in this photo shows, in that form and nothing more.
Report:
10,46
